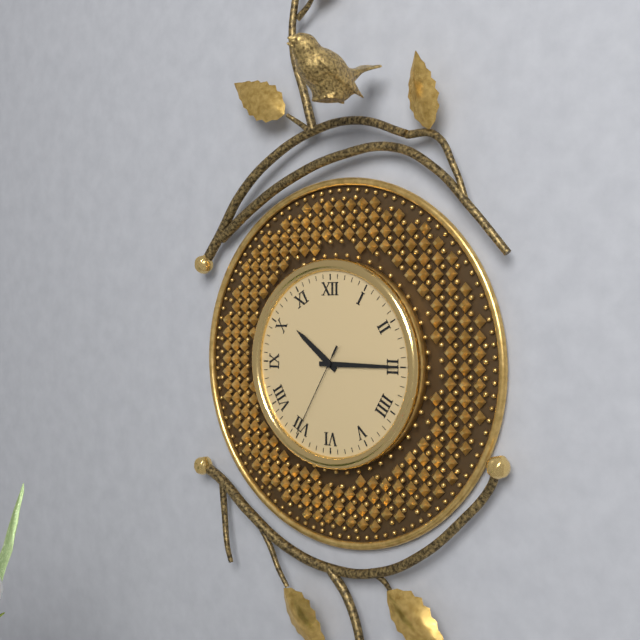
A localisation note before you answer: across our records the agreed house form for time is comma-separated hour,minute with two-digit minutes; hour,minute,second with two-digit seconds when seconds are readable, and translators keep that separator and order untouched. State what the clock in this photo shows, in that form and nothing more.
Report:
10,15,35
